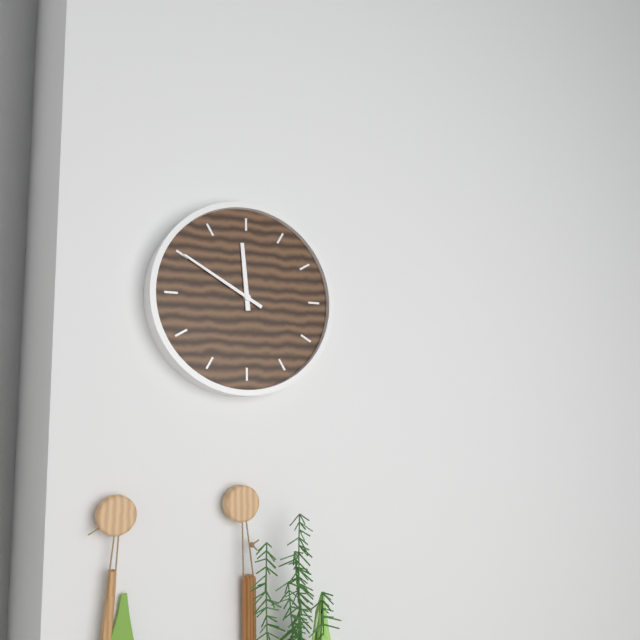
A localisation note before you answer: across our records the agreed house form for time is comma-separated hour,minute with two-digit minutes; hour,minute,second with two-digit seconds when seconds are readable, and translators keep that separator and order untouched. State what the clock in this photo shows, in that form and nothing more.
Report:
11,50
